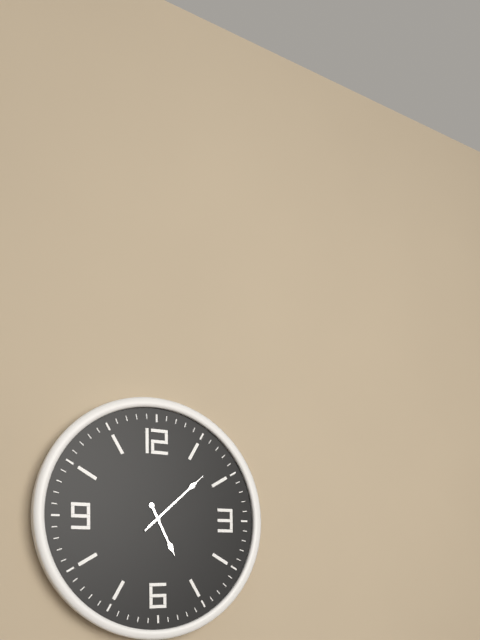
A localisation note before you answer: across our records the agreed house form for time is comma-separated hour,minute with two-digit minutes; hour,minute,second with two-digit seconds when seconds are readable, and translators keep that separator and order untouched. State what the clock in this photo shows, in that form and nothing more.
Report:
5,08,08
